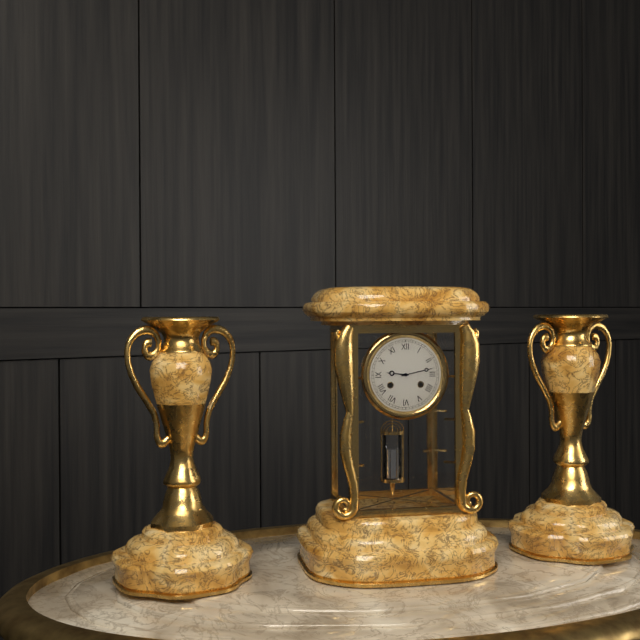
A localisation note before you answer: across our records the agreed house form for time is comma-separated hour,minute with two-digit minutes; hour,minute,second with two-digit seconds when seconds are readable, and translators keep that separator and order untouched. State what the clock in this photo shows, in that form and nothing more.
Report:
9,13
